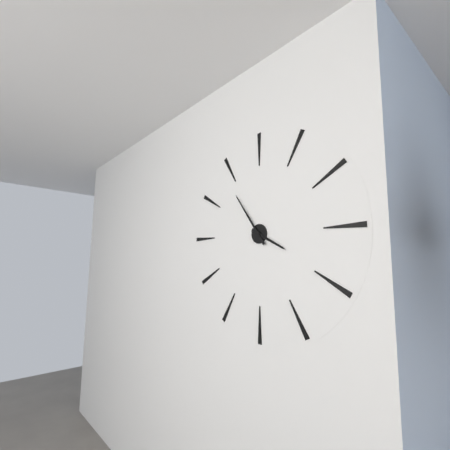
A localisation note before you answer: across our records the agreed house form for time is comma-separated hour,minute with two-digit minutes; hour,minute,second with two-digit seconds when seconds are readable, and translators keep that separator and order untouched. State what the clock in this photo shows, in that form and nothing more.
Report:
3,54
